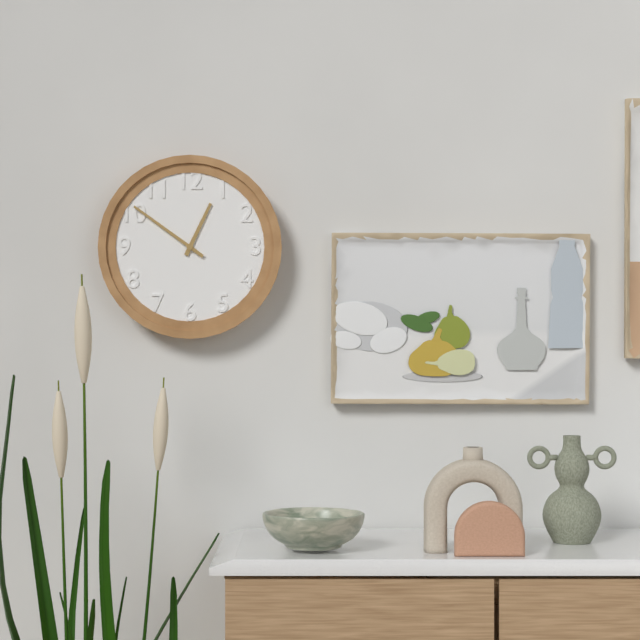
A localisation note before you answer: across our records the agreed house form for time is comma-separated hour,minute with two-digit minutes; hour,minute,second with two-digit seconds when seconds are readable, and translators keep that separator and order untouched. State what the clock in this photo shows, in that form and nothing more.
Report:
12,51
